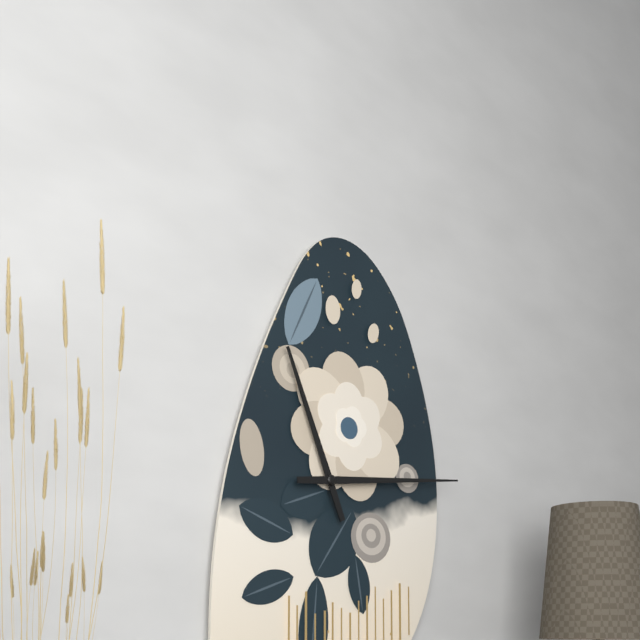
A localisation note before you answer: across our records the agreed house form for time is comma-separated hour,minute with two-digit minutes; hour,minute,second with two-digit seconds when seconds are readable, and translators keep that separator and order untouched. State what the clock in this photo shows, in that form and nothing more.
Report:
11,14
